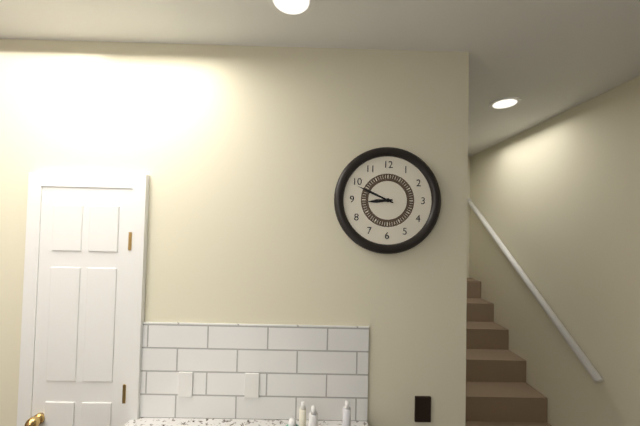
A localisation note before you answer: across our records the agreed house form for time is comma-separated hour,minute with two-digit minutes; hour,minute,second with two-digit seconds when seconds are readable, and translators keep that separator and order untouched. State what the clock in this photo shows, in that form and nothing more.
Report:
8,49
